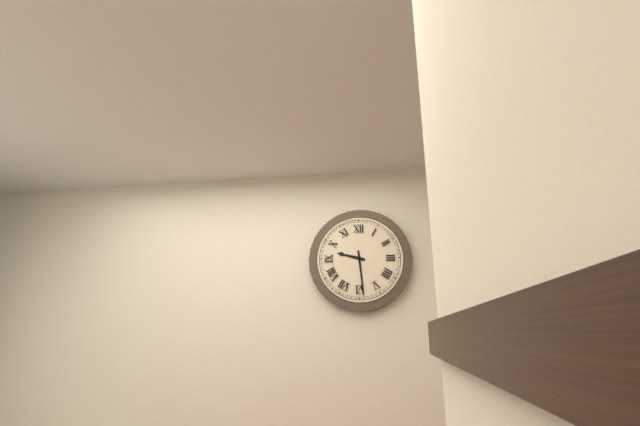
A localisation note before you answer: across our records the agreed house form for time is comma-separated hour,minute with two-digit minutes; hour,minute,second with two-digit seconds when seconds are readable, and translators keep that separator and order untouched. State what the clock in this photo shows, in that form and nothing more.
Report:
9,29
